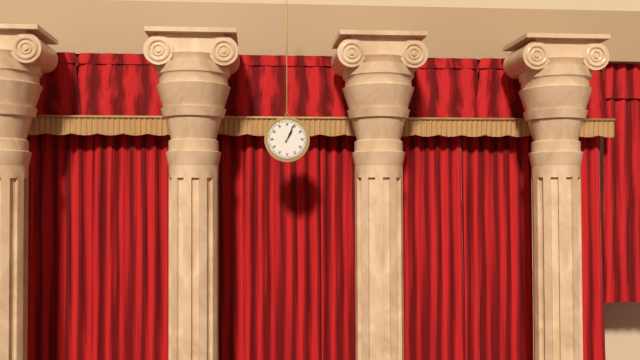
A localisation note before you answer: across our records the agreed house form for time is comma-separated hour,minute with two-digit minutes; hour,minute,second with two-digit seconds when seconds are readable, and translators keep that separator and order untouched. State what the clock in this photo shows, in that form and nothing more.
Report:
1,04
